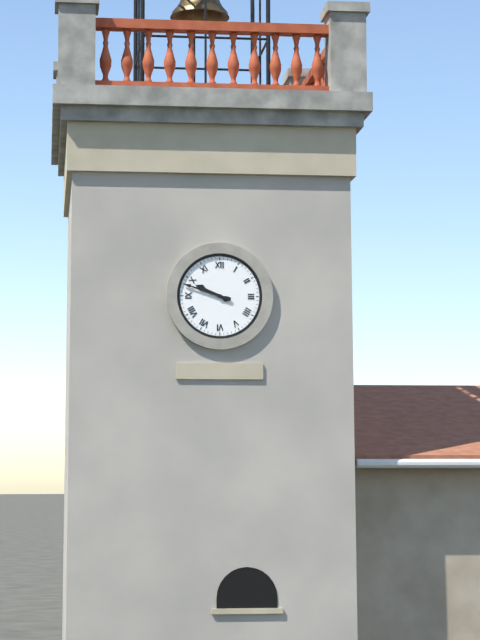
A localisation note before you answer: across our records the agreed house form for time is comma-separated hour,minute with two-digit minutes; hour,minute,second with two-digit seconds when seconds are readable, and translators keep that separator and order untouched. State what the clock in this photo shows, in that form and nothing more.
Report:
9,48
